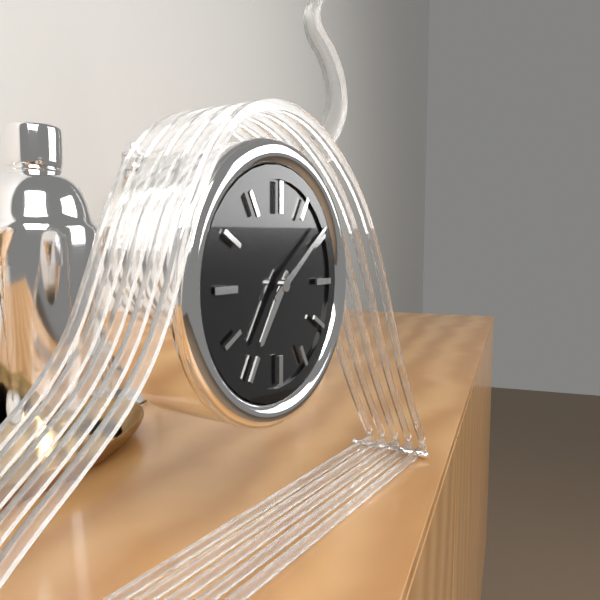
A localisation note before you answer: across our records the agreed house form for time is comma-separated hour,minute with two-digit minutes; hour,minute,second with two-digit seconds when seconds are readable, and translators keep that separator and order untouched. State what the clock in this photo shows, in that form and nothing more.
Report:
7,09
